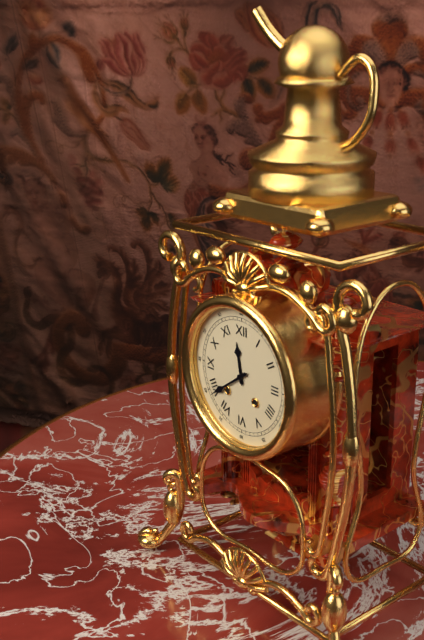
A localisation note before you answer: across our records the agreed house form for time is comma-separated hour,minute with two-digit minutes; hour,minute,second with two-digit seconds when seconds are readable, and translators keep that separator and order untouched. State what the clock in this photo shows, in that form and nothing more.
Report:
11,39
